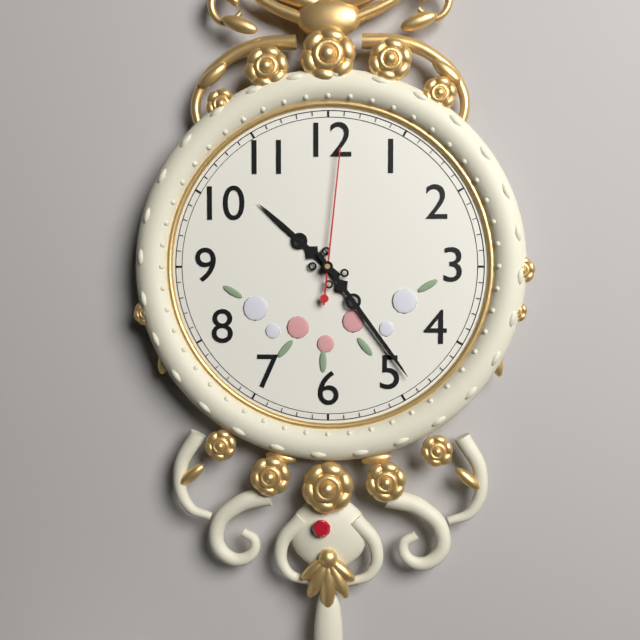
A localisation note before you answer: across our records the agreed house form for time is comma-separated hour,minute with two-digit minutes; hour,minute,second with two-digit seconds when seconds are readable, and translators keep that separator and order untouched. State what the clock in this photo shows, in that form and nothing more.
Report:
10,24,01
